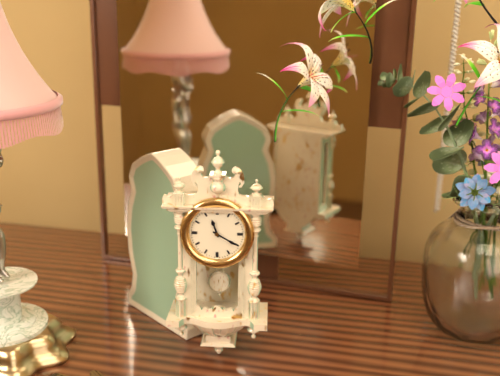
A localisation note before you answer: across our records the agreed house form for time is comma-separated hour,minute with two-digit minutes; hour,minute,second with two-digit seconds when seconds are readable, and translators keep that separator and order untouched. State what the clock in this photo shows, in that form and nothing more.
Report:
11,20
